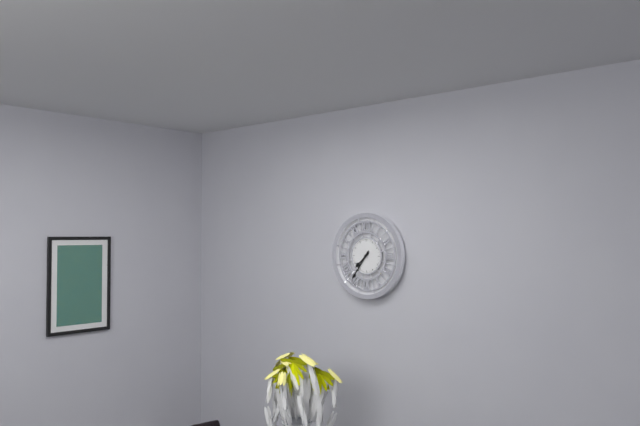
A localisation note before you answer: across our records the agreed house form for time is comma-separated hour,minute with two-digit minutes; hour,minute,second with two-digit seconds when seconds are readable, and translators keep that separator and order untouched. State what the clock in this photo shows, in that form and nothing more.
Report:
7,36
